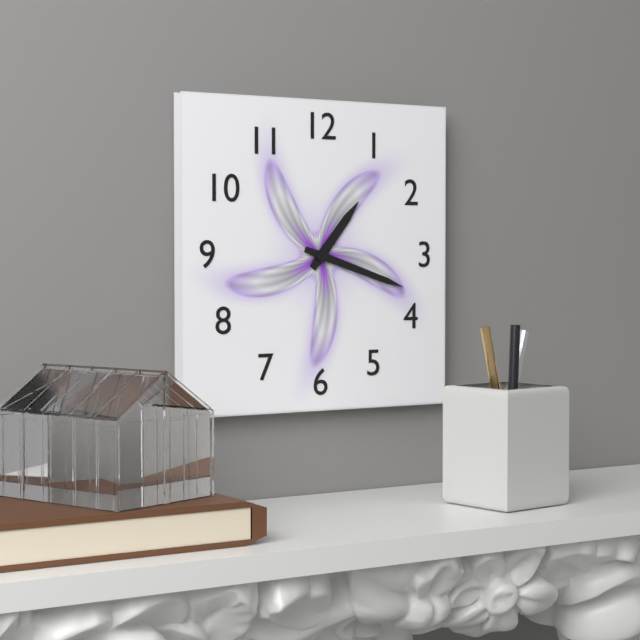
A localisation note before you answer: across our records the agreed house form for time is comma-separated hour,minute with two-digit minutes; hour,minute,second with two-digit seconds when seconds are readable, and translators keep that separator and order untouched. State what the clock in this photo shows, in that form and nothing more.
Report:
1,18
